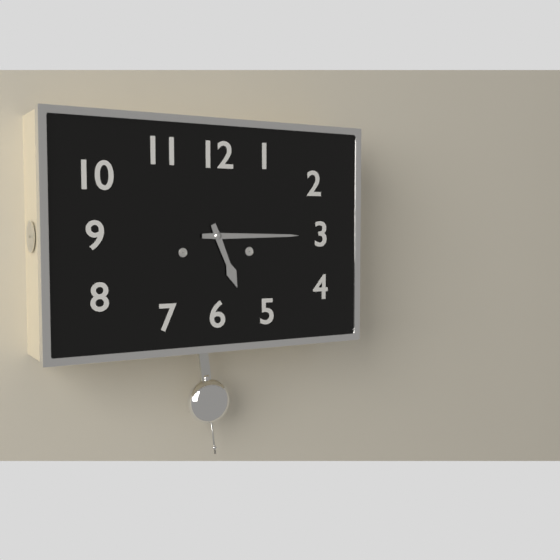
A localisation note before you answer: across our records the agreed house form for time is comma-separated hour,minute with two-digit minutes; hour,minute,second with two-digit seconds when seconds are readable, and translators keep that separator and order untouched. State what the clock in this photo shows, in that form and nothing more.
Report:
5,15
